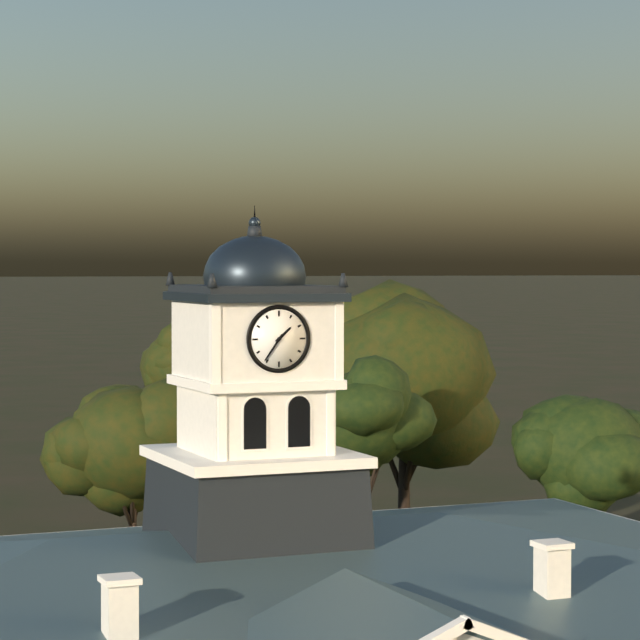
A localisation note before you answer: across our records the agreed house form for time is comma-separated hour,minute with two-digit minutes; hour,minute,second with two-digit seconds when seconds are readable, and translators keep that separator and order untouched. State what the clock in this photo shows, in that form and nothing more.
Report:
1,36
